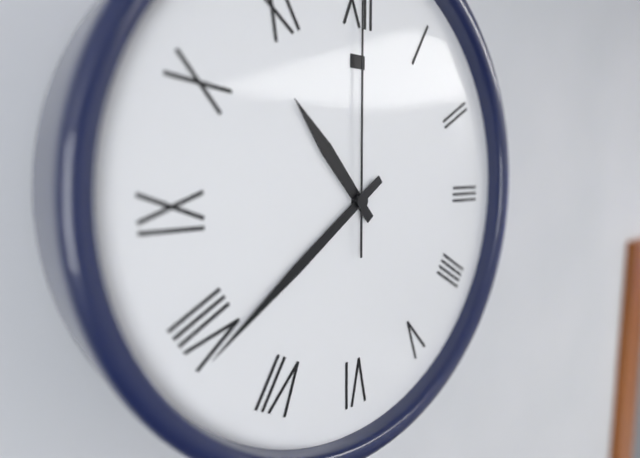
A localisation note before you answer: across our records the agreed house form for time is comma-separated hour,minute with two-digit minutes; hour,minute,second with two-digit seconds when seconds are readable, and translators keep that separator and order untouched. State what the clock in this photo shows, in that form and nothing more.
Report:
10,39
